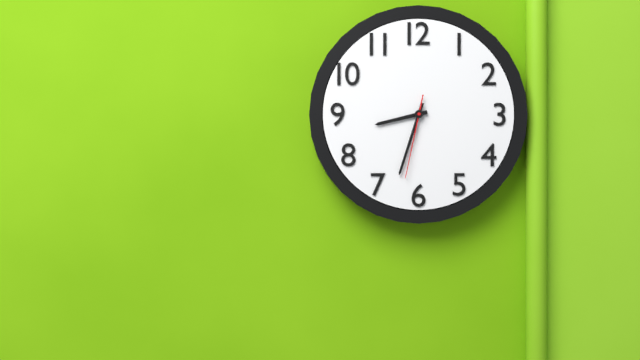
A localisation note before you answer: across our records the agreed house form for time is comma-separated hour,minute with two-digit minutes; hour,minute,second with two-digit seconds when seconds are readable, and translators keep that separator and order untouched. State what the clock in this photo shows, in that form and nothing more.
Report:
8,33,32
